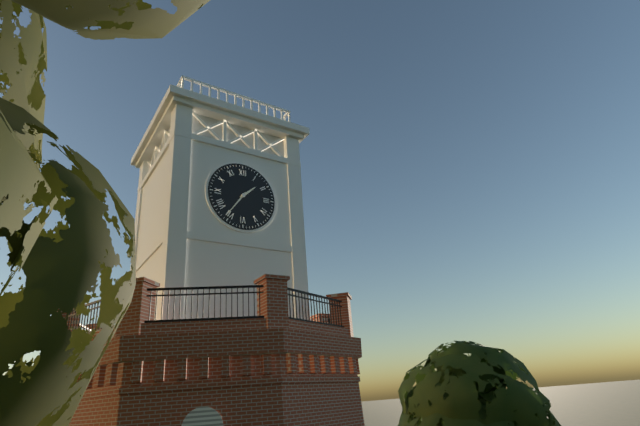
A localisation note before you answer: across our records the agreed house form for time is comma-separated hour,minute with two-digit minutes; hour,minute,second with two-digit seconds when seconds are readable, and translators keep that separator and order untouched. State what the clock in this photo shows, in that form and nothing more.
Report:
1,36
